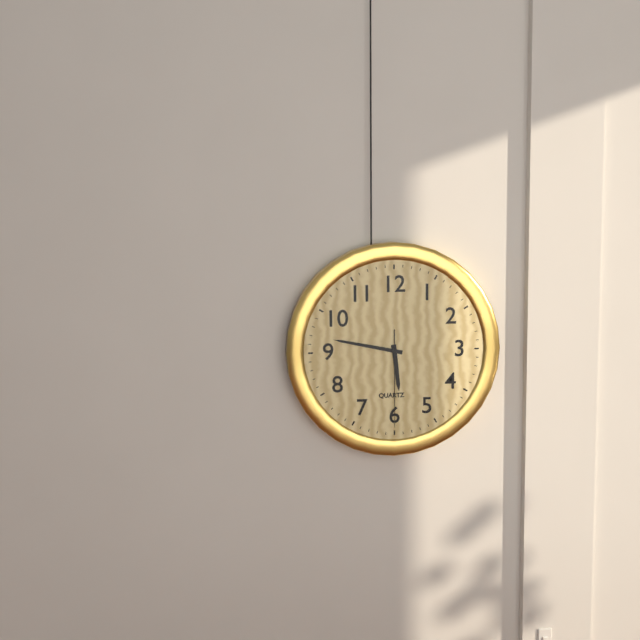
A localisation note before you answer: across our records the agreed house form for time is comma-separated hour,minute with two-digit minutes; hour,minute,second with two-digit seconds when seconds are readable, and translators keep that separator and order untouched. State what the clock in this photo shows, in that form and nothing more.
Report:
5,47,30
